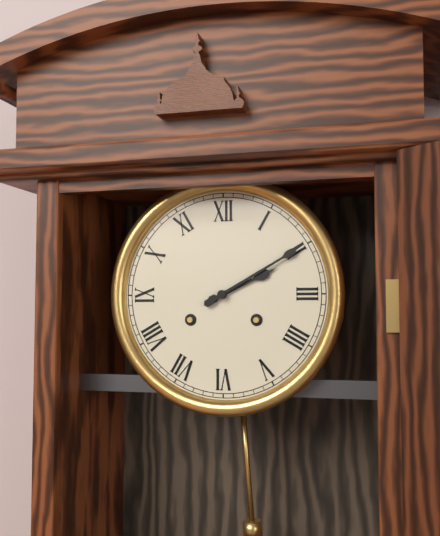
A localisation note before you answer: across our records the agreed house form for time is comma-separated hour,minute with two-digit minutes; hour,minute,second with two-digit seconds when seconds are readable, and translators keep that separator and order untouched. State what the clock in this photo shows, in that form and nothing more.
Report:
2,10
